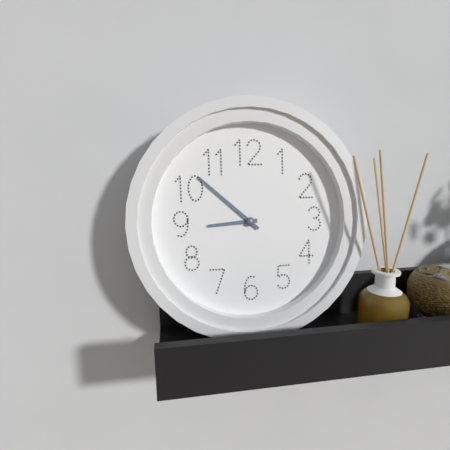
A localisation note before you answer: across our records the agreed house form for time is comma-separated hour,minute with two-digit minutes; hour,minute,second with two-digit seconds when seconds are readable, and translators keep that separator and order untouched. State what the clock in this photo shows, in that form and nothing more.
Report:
8,52
